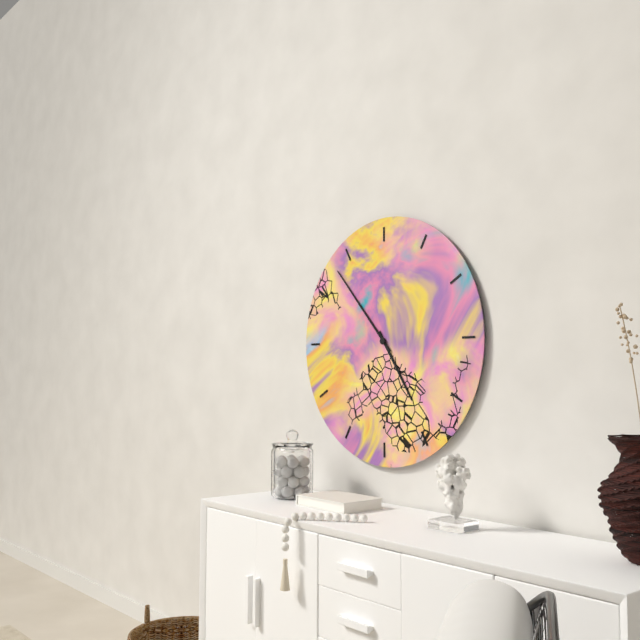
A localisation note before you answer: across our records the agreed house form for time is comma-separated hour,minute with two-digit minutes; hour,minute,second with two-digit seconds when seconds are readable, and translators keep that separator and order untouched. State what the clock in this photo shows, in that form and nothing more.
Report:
4,53
